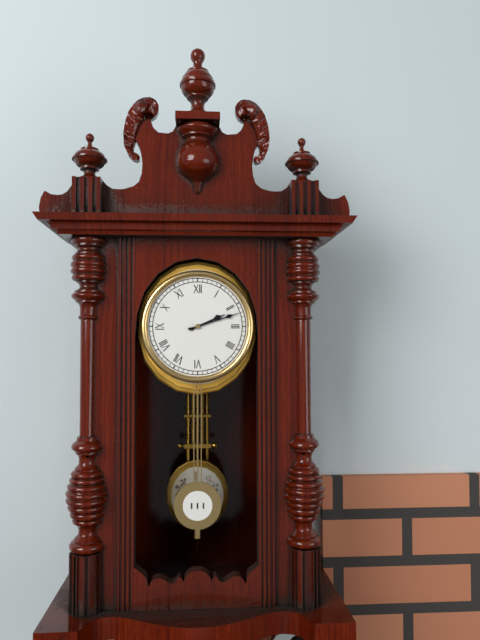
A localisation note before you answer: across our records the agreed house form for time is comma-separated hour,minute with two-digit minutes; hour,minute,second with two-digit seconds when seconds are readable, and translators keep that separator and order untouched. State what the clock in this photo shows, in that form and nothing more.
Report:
2,12
